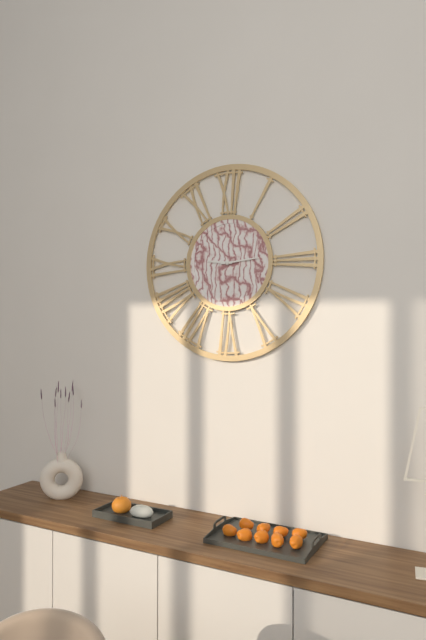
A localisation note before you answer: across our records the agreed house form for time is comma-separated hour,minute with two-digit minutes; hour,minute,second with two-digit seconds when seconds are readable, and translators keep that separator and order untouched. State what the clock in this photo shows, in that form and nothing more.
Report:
9,14
